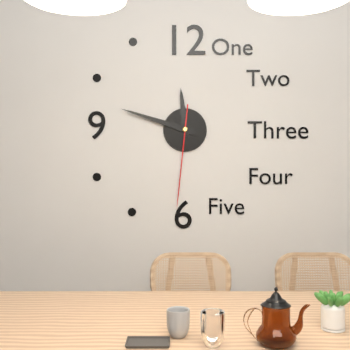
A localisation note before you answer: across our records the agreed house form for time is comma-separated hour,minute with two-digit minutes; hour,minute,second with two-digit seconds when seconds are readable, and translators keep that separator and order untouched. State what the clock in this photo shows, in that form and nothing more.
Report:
11,48,31
